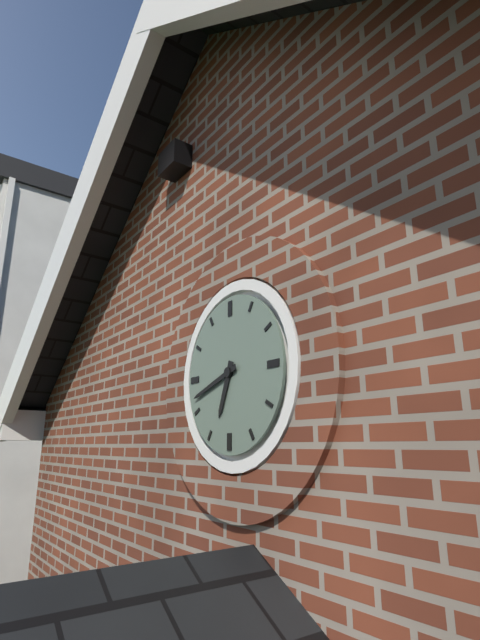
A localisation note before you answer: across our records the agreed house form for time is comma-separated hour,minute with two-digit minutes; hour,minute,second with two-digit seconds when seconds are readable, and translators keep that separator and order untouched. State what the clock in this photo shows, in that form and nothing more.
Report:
6,42
